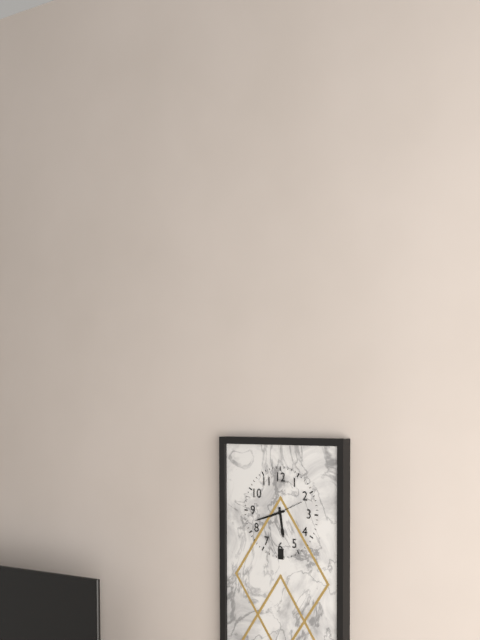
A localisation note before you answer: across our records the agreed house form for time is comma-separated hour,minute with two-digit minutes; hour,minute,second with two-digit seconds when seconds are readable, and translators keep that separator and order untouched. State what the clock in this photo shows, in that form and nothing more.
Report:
5,42
